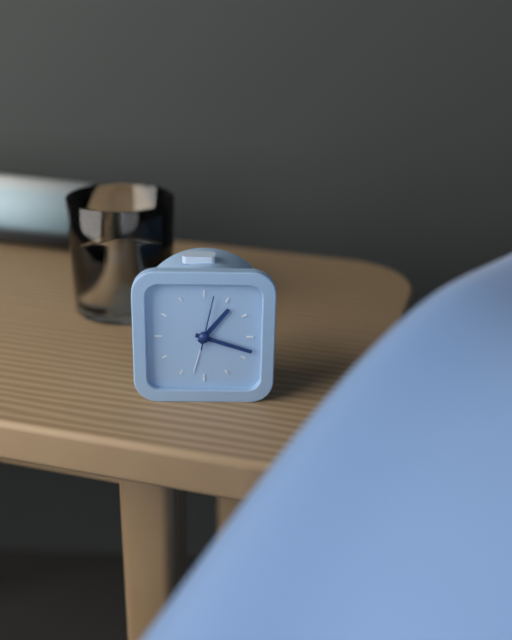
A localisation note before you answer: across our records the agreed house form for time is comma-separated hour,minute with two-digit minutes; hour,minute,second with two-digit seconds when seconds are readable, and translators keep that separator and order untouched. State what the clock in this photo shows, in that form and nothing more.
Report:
1,18,02
